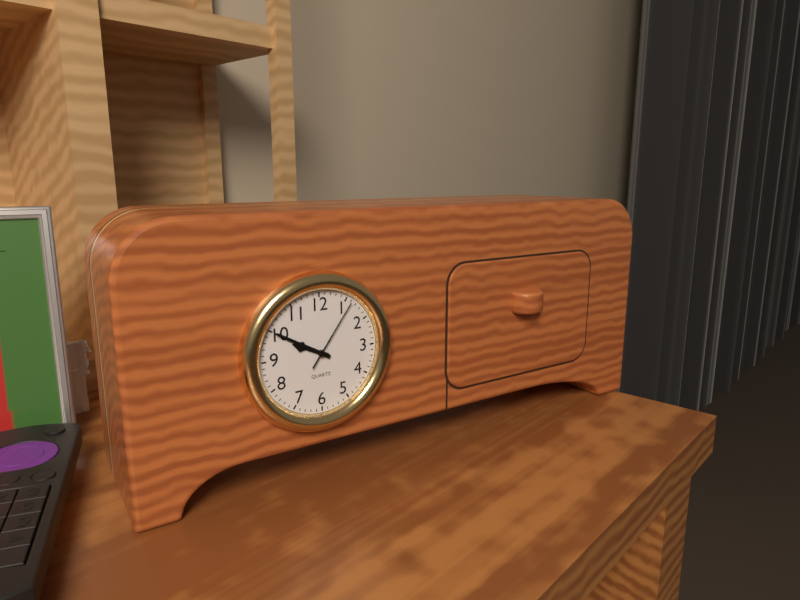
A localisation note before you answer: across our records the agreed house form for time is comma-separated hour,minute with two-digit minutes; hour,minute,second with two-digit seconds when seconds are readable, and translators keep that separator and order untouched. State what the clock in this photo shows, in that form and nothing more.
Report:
9,50,06
